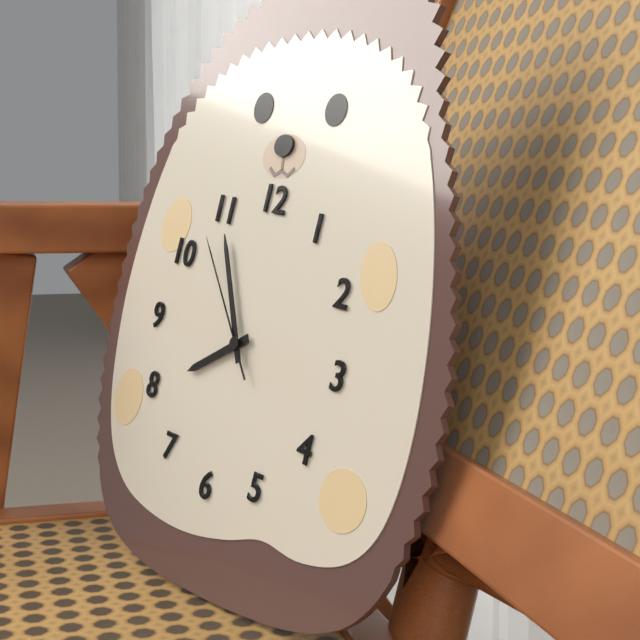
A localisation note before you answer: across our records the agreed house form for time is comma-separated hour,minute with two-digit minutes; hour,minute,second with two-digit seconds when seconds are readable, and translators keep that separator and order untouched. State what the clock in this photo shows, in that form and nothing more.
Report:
7,55,53
